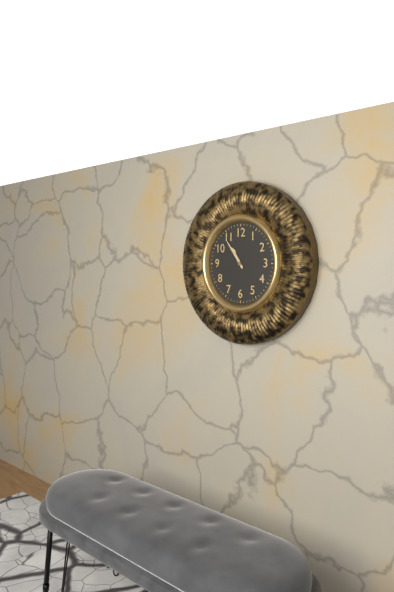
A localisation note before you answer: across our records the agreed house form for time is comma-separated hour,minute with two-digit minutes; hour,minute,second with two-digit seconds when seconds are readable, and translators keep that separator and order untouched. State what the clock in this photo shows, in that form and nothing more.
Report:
10,54
